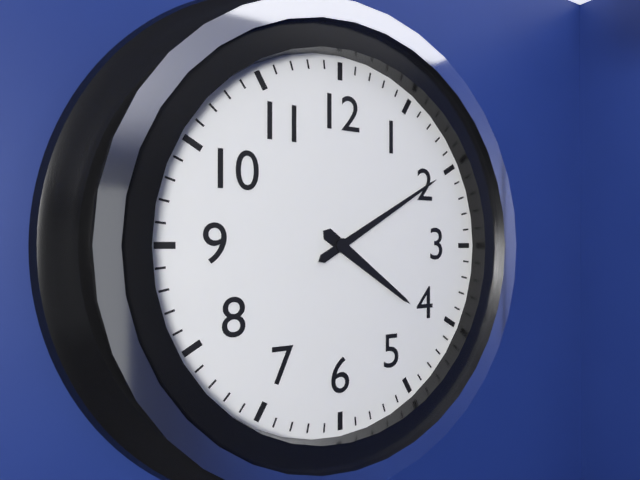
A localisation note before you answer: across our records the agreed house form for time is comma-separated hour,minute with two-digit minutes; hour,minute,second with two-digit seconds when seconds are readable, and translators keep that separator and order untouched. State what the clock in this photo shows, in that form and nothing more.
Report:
4,10
